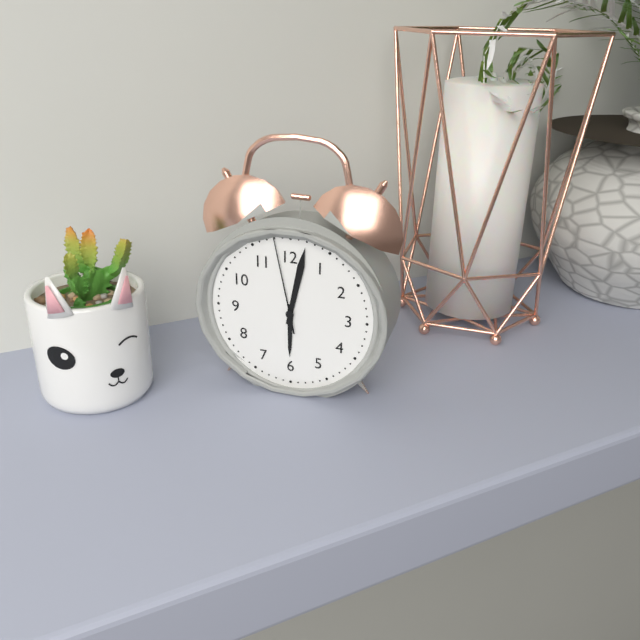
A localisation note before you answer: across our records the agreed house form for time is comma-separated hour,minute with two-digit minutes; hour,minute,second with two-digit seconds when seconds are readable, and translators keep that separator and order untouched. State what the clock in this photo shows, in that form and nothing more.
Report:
6,02,58
